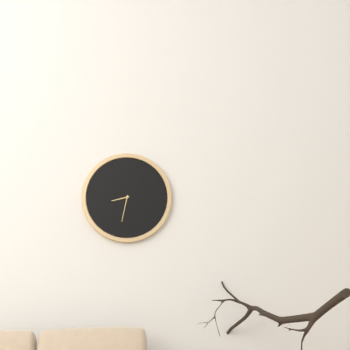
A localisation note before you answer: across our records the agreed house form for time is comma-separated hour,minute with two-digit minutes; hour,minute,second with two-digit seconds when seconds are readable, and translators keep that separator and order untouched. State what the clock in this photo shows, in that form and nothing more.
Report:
8,32
